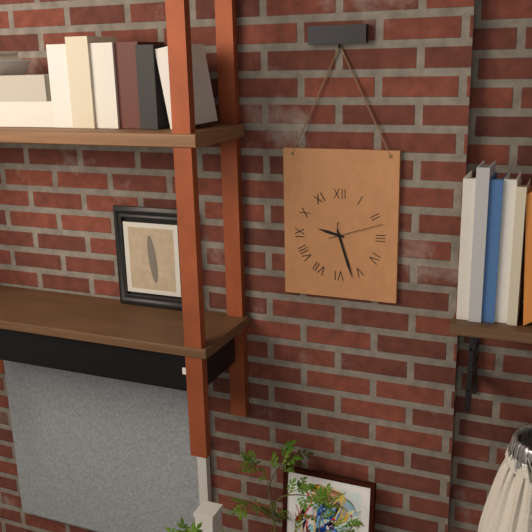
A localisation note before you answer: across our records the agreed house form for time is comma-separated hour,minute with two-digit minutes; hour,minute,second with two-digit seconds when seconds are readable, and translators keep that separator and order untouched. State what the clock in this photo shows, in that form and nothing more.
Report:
9,27,12
